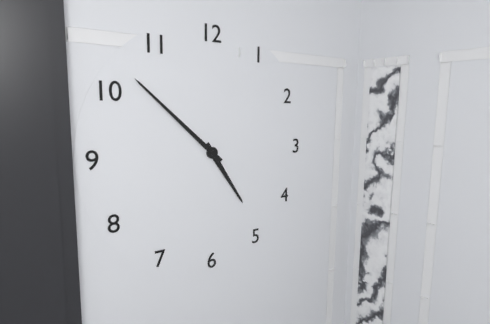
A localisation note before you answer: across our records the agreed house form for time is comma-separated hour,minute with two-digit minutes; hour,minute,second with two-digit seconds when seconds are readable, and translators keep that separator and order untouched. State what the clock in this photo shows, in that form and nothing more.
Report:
4,52
